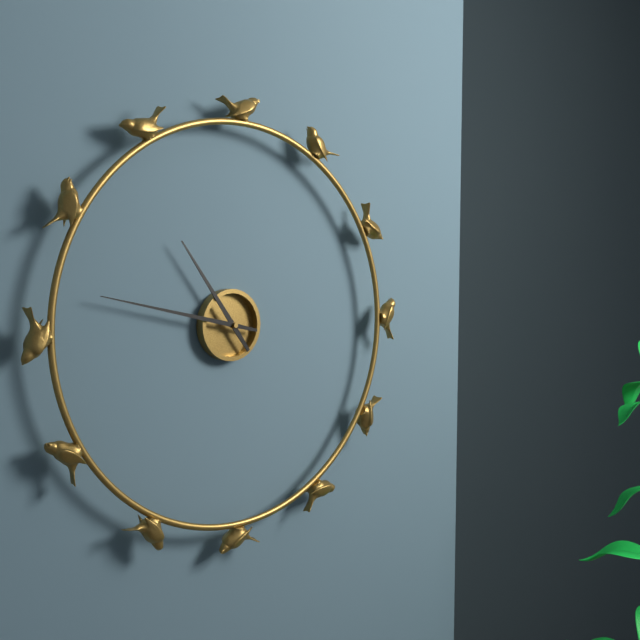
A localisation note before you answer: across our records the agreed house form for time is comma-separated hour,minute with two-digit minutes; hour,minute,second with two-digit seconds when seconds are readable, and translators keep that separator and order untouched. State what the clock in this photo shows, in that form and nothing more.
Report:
10,47
